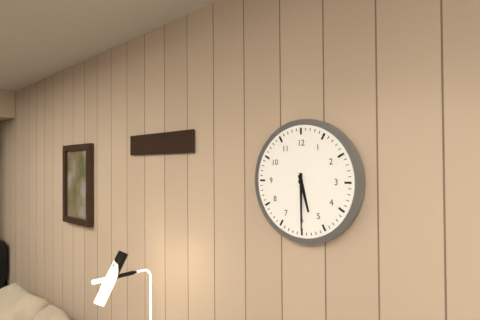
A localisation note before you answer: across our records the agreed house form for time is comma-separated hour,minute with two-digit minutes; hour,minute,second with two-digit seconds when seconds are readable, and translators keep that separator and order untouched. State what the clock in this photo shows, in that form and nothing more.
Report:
5,30
